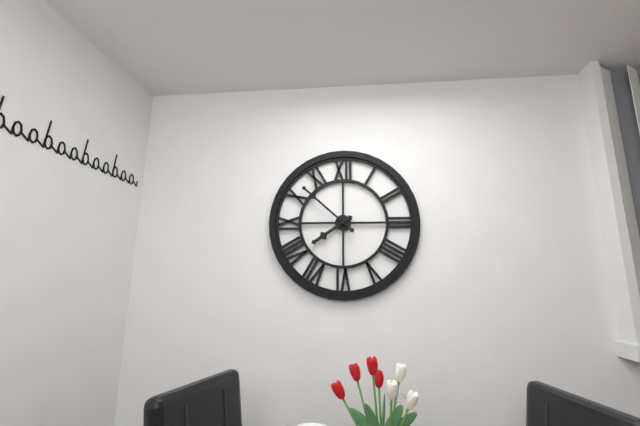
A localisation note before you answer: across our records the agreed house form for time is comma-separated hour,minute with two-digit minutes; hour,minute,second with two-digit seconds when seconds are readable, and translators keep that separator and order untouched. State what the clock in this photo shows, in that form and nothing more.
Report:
7,52
